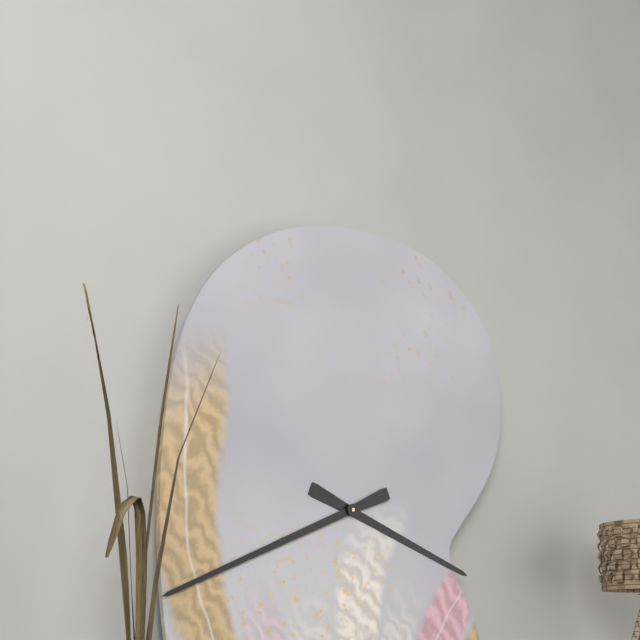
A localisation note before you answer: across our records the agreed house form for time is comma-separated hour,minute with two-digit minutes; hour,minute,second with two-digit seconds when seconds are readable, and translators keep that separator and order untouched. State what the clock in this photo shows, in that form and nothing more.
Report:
3,41
